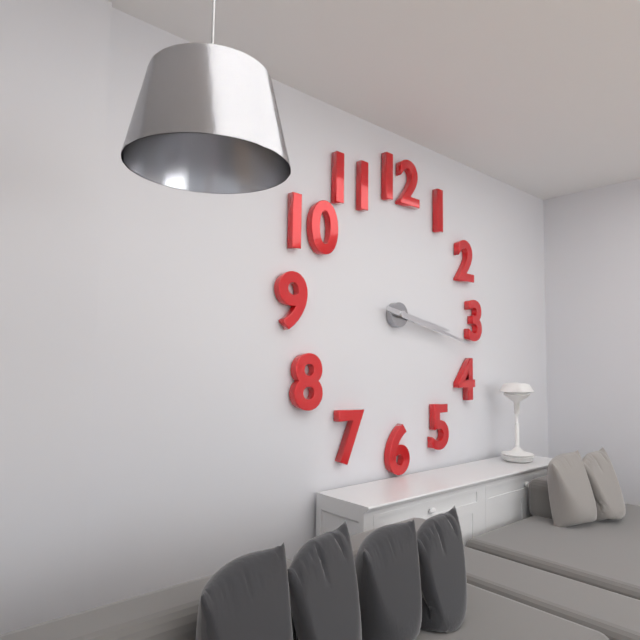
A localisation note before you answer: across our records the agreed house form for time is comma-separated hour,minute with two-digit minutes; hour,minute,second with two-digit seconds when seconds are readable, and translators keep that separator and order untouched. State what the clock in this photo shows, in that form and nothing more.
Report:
3,17
